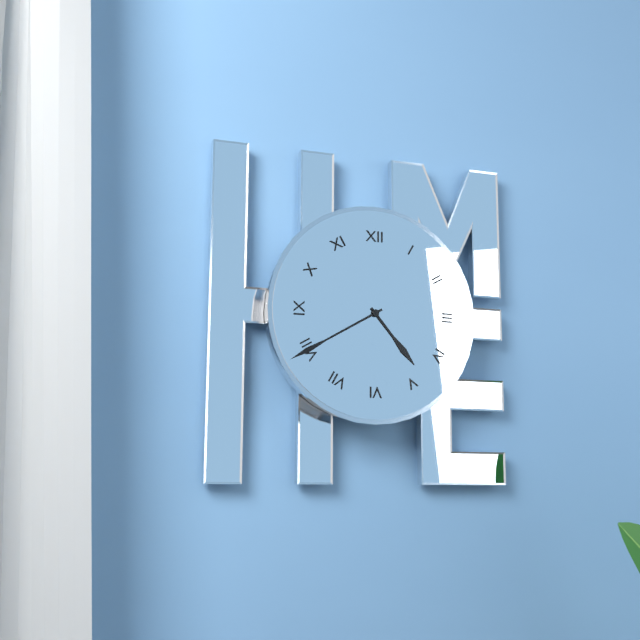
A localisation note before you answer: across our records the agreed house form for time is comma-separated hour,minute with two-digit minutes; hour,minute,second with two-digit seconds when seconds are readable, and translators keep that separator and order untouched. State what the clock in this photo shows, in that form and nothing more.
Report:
4,40
